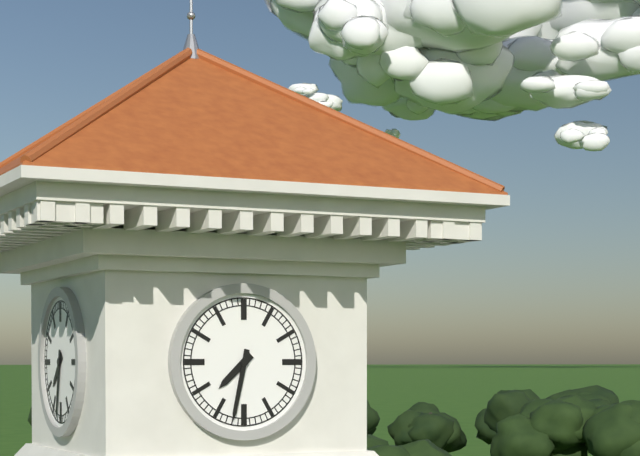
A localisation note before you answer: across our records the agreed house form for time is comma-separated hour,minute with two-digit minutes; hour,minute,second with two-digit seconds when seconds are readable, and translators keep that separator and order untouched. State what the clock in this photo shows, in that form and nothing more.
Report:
7,32
